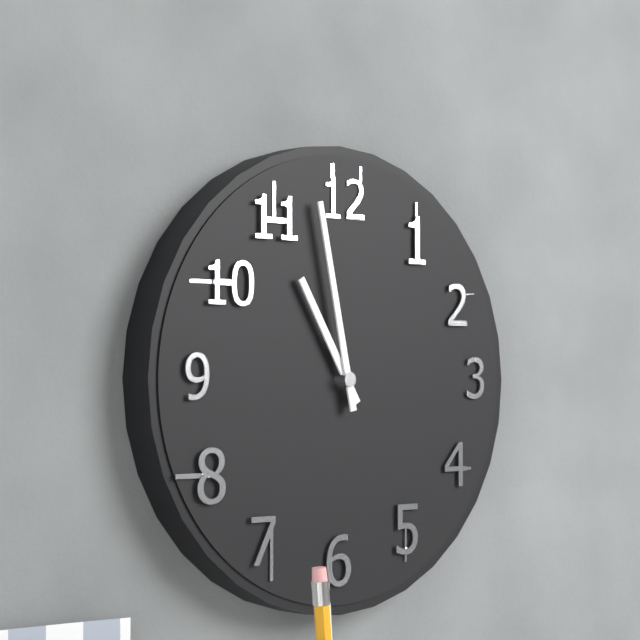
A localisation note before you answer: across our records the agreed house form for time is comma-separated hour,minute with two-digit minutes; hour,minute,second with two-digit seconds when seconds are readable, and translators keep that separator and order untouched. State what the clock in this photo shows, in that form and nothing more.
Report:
10,58
